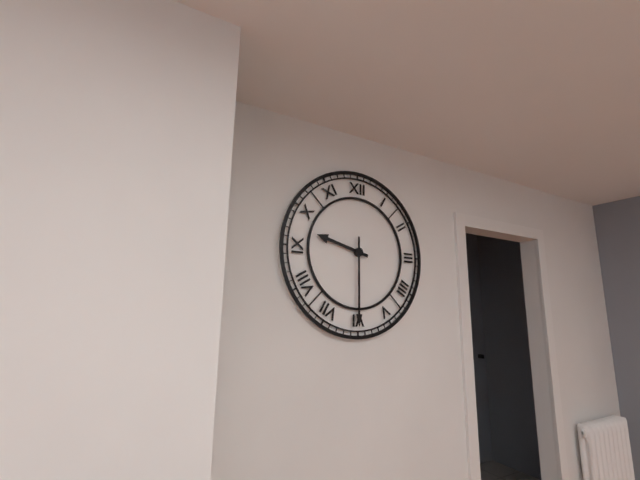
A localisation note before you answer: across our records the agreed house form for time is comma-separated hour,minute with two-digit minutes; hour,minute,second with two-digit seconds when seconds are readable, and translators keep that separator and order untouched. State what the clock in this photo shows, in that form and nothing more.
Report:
9,30
